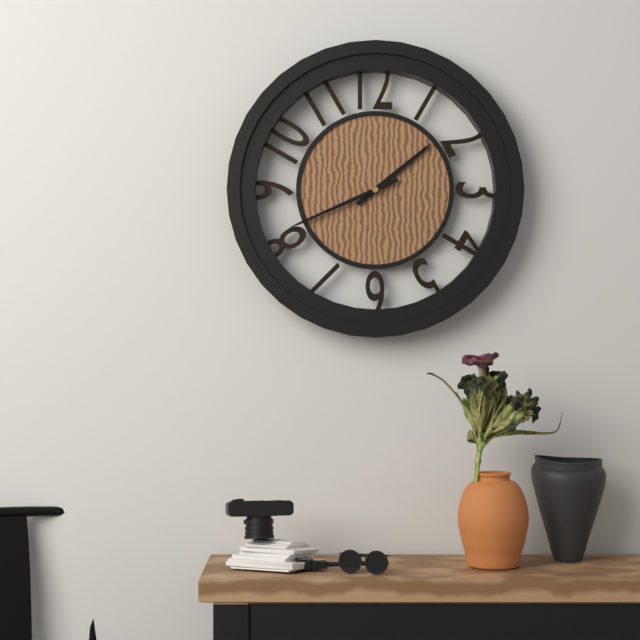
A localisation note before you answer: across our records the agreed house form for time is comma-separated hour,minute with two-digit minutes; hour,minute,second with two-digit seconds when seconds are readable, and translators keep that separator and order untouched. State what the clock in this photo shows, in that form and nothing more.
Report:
1,41
